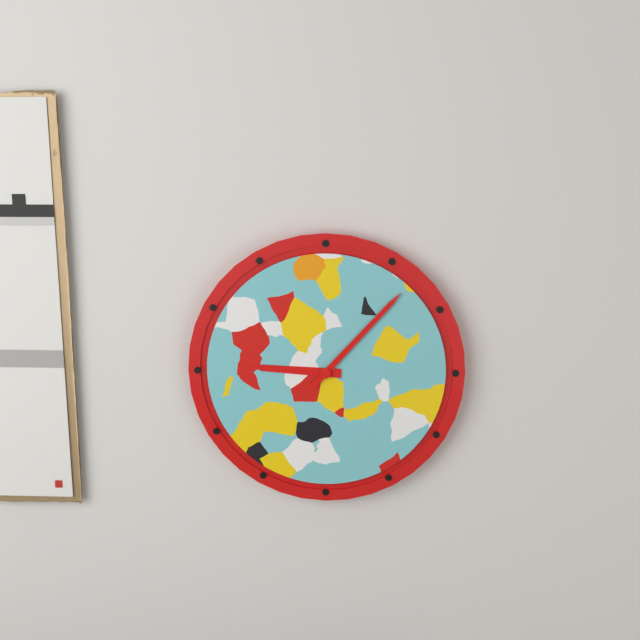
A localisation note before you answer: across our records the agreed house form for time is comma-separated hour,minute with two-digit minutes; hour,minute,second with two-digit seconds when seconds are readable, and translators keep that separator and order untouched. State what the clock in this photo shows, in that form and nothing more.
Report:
9,07
